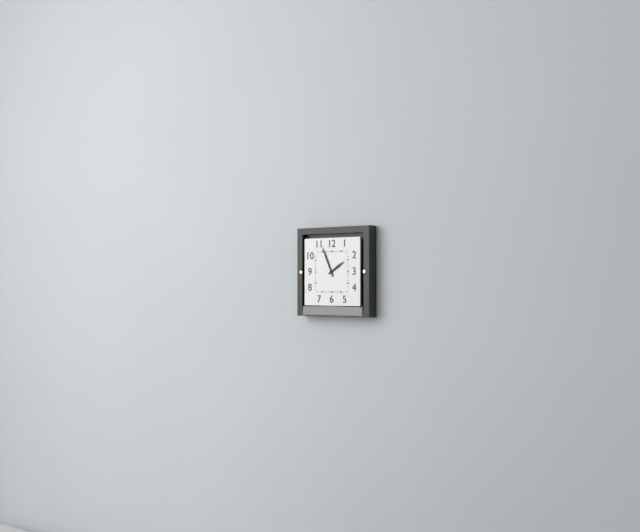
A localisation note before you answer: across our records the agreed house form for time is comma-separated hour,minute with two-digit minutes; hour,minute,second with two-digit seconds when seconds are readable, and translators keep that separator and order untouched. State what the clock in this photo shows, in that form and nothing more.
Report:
1,56
